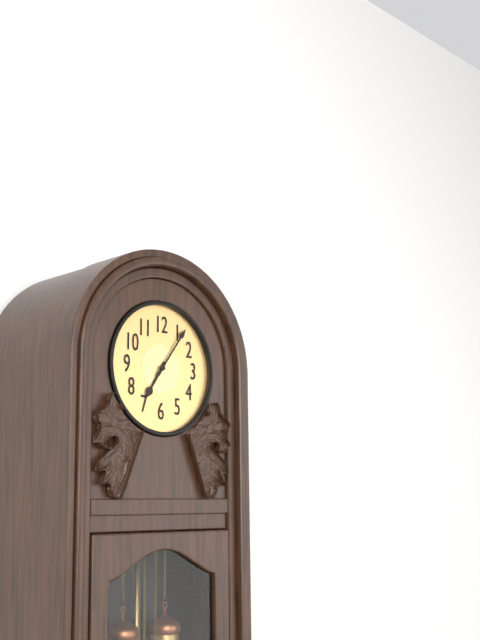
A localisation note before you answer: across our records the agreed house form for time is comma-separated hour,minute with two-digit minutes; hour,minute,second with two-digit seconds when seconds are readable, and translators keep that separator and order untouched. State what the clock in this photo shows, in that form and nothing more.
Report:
7,06
